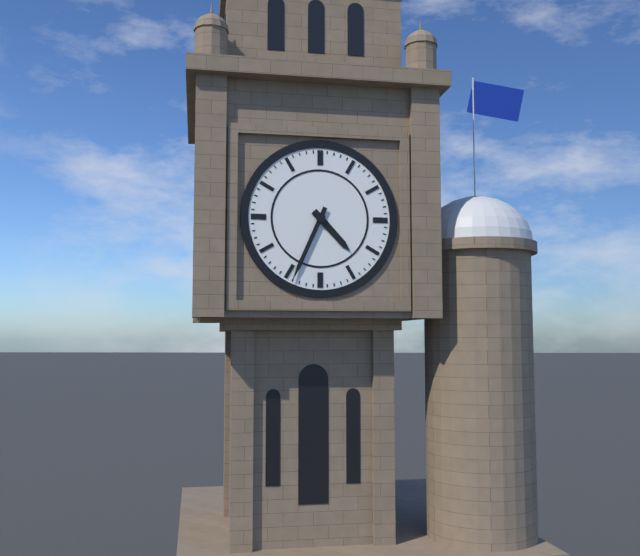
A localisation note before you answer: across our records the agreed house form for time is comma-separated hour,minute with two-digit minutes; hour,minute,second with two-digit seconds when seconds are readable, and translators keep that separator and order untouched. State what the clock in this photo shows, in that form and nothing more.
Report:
4,34
